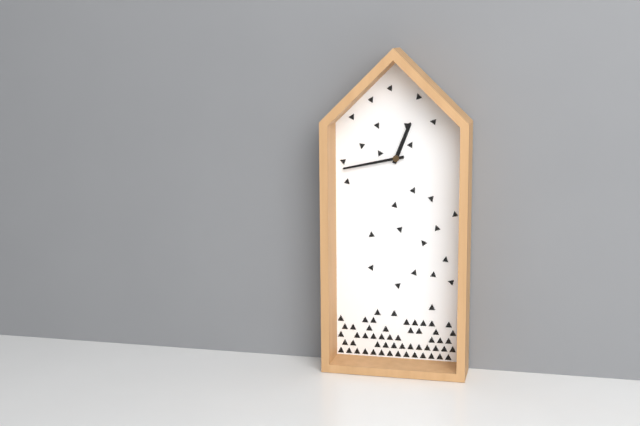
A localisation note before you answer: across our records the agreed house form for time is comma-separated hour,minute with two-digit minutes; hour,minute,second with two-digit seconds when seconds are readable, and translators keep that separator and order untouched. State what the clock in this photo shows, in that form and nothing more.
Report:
12,43
